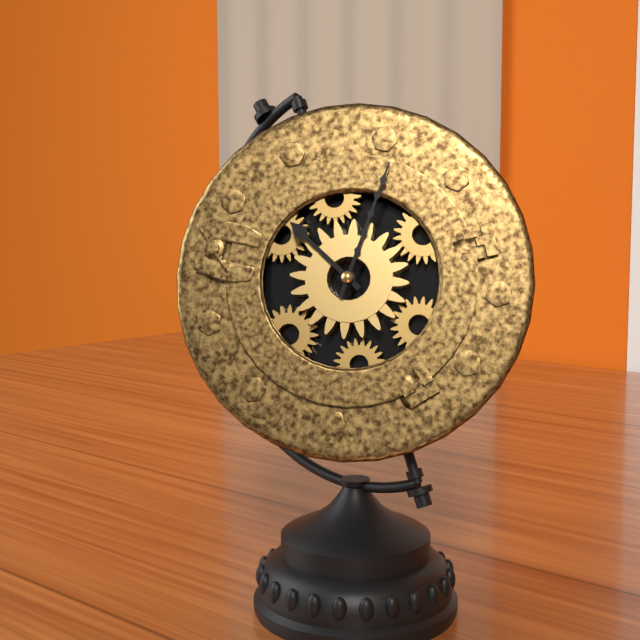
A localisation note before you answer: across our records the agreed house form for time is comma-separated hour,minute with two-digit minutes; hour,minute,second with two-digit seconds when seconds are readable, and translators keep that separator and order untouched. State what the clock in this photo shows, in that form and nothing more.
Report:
10,01
